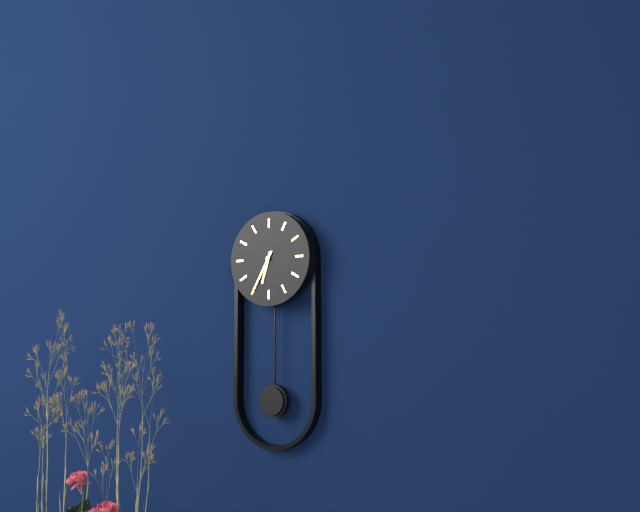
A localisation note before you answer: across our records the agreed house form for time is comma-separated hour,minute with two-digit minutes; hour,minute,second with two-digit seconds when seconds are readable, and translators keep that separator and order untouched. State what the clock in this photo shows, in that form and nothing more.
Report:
6,35
